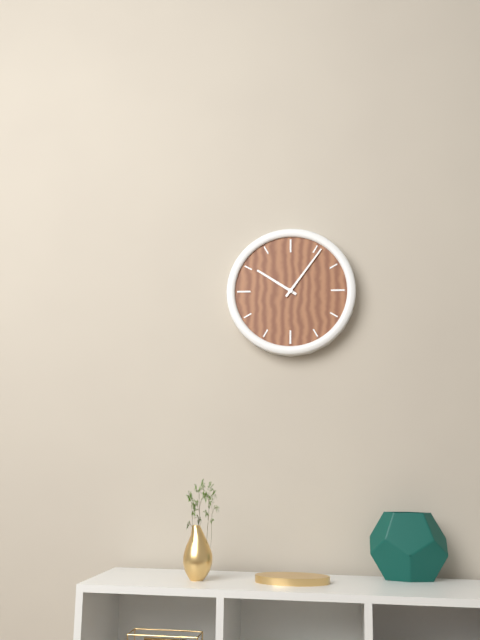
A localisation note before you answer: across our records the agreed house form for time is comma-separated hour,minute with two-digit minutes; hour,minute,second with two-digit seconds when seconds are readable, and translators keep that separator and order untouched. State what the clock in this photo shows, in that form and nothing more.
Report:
10,06
